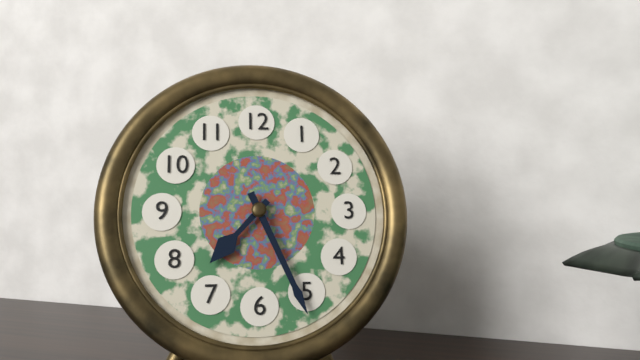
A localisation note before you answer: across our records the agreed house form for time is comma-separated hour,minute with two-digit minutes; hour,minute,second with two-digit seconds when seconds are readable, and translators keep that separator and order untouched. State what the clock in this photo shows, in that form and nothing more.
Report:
7,26
